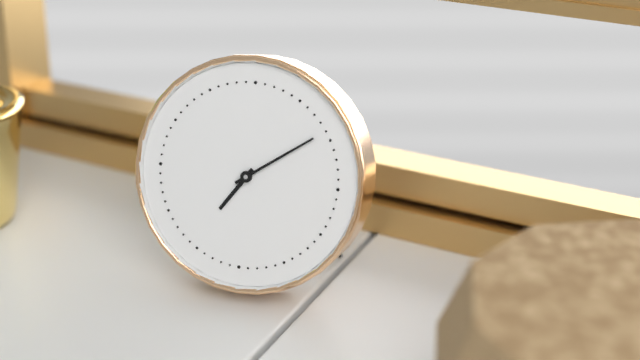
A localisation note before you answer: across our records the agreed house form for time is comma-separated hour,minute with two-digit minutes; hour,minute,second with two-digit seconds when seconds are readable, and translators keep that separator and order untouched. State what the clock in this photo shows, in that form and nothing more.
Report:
7,09
